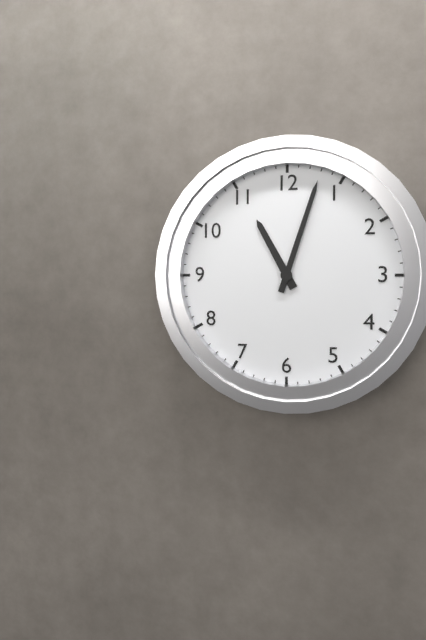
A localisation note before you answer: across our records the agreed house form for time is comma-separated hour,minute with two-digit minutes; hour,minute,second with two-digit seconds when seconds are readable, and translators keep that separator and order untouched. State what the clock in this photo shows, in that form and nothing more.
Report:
11,03
